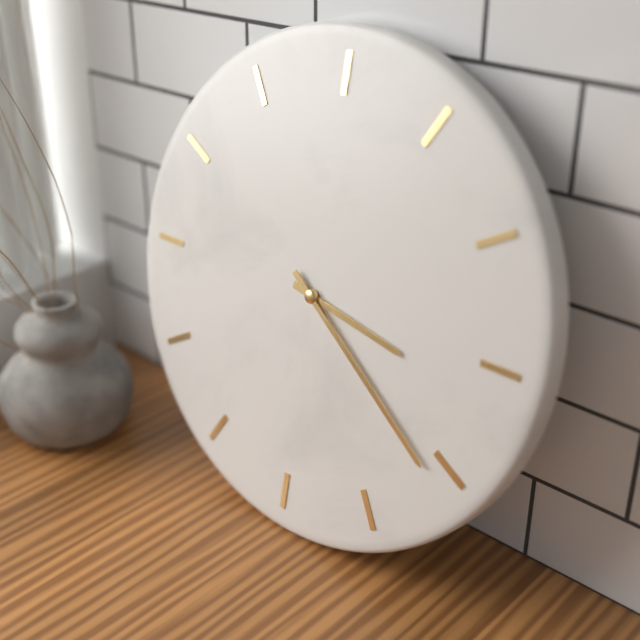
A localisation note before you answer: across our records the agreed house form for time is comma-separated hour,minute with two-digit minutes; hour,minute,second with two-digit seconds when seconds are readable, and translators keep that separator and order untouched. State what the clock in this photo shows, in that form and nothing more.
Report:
3,21
